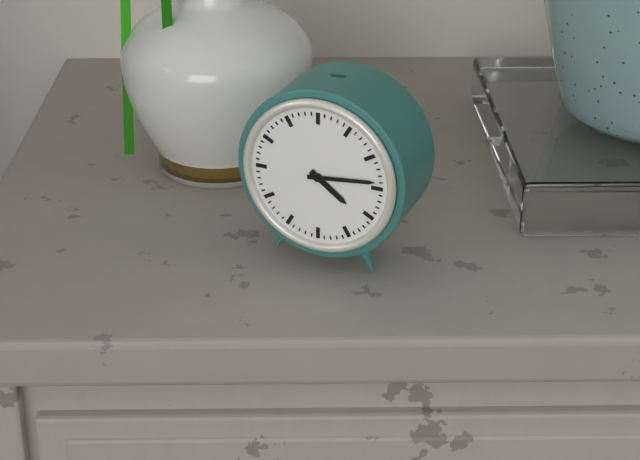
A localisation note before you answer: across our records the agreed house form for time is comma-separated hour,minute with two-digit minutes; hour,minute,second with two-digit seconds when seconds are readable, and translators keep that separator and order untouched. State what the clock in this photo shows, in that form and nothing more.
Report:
4,14
